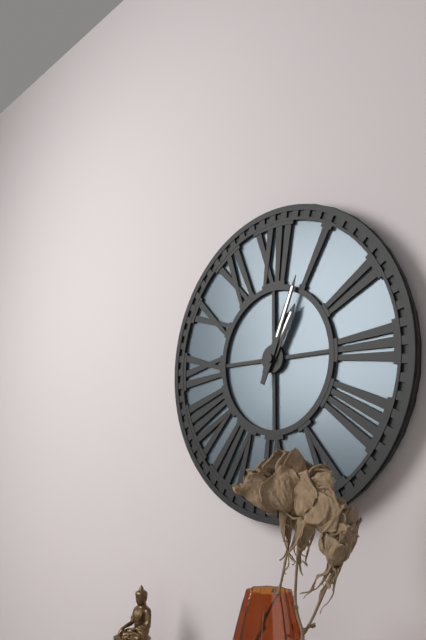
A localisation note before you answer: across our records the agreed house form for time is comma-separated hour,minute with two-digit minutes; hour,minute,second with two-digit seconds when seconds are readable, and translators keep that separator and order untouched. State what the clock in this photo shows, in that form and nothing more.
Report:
1,04
